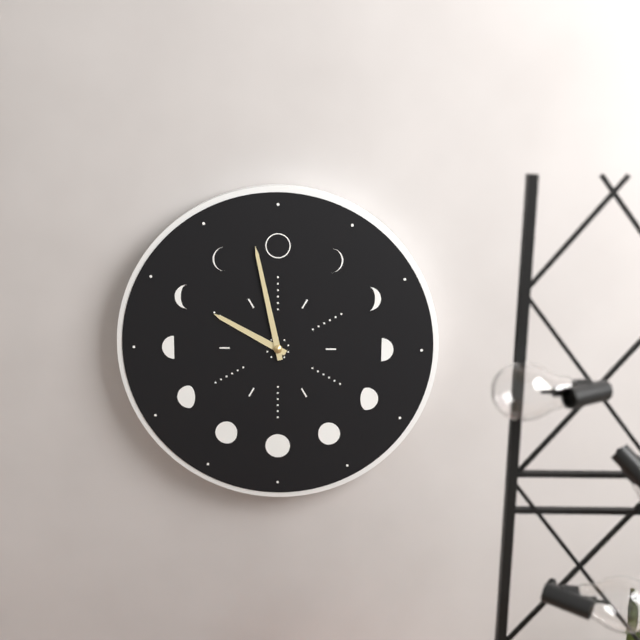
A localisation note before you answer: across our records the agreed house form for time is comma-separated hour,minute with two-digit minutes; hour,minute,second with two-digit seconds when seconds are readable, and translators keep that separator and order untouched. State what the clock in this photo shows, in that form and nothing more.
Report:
9,58
